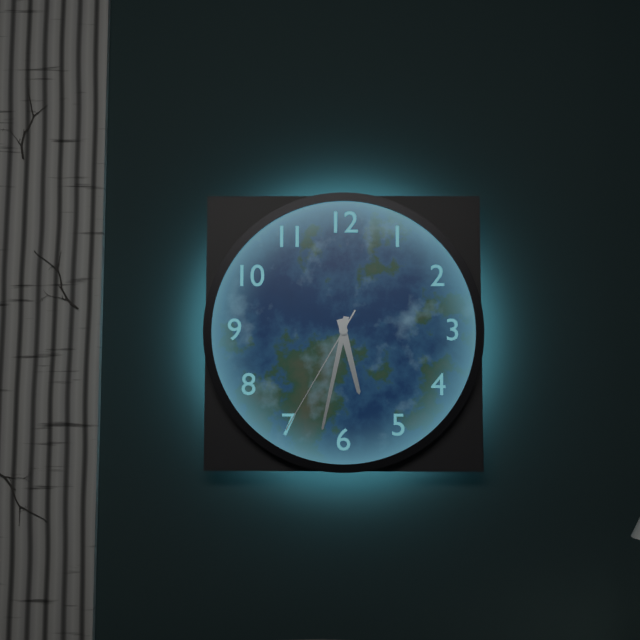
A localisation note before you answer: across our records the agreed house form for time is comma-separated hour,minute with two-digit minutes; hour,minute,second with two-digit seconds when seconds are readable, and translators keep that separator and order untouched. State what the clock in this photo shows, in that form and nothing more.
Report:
5,32,35
